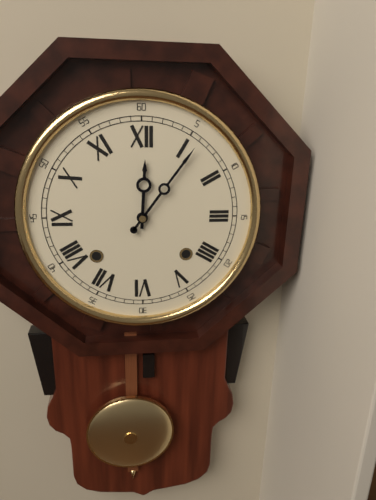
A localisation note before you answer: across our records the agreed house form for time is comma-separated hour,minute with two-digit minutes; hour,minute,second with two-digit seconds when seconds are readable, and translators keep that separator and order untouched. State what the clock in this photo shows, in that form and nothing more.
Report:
12,06
